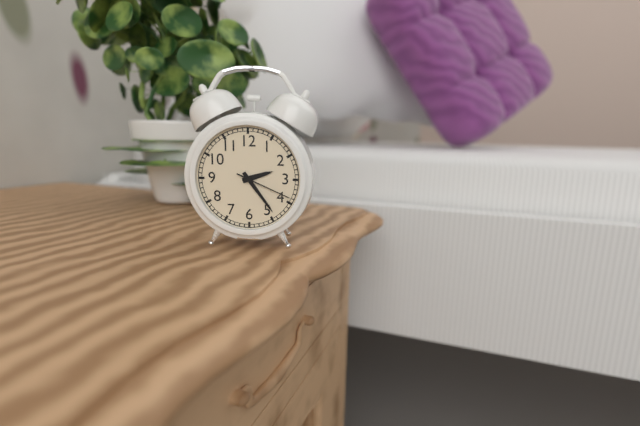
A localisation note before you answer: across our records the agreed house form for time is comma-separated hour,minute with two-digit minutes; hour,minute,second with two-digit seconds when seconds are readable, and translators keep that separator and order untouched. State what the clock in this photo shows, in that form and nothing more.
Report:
2,24,19
